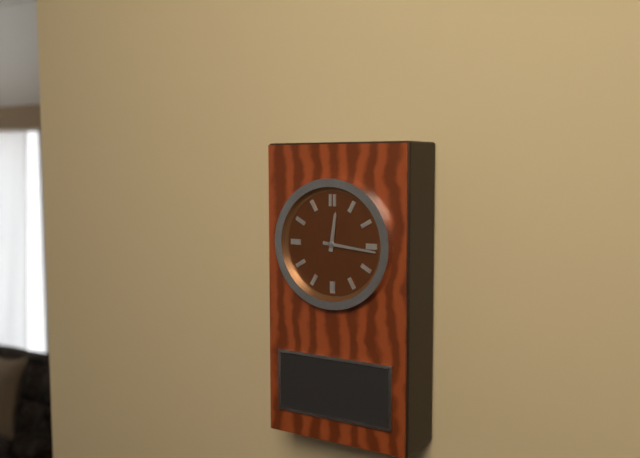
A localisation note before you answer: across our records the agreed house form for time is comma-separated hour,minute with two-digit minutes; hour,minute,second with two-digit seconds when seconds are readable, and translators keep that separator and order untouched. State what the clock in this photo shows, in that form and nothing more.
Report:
12,16
